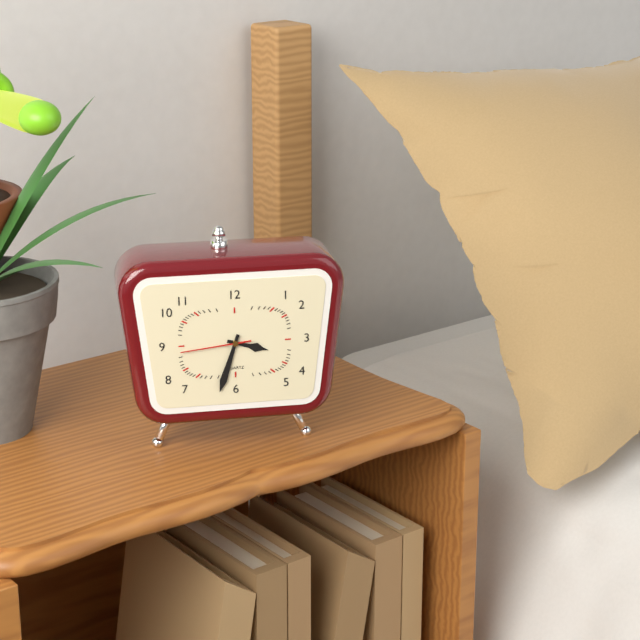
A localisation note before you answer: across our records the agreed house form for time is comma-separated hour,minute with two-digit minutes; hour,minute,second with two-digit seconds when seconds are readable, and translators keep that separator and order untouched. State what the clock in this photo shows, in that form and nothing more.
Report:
3,33,44
